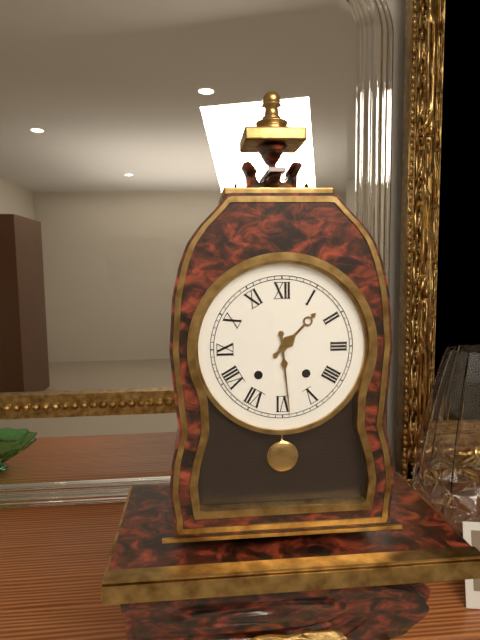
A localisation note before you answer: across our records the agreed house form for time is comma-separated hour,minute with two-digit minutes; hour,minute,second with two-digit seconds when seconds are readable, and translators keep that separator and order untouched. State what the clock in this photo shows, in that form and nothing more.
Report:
1,29
